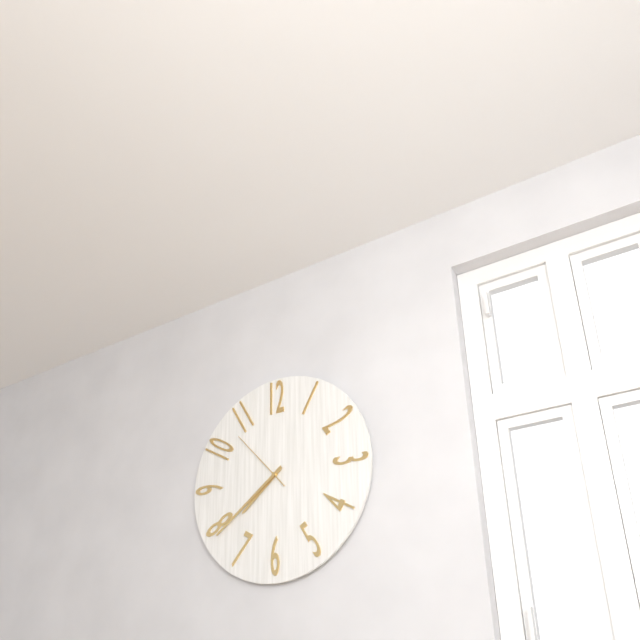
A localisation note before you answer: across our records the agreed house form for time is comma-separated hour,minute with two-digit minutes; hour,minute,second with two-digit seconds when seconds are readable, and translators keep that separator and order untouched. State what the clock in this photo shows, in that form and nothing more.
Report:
7,39,53
